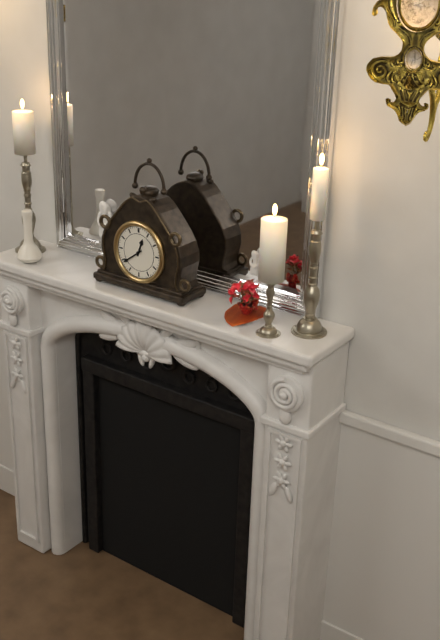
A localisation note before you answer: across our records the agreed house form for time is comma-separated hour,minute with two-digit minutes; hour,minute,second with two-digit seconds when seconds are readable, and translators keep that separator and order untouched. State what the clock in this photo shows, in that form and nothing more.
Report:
12,39
